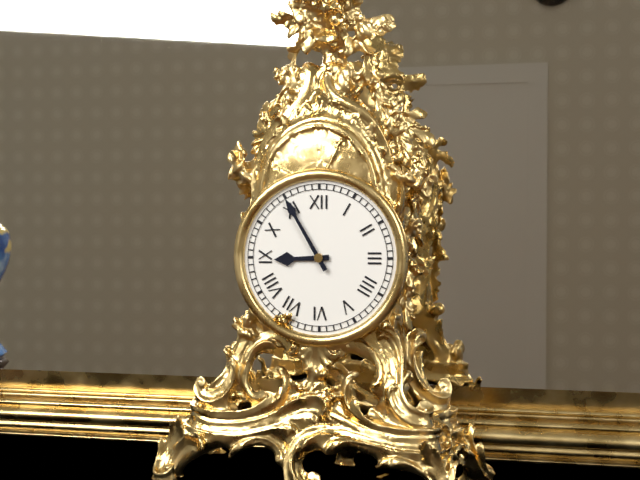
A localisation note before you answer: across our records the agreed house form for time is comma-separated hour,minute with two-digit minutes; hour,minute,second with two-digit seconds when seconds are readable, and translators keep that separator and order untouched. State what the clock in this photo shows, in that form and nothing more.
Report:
8,55
